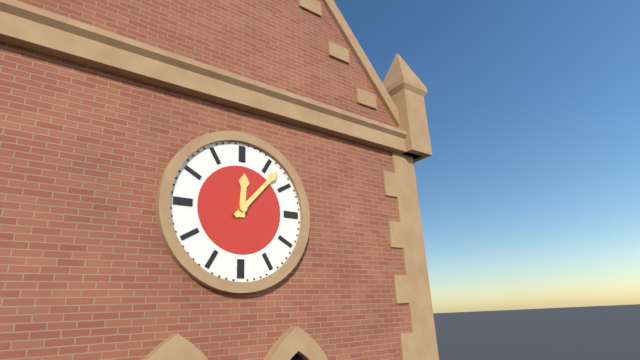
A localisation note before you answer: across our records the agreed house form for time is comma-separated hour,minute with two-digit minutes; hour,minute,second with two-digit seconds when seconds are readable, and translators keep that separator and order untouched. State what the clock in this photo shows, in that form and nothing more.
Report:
12,07
